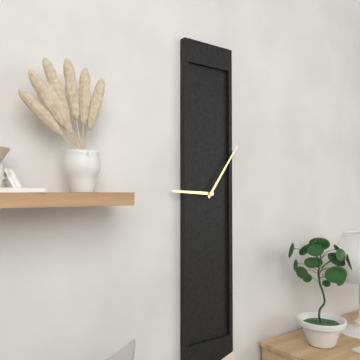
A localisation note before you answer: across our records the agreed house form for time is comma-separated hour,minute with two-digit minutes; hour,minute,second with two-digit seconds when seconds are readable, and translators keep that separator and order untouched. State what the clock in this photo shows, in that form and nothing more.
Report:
9,06
